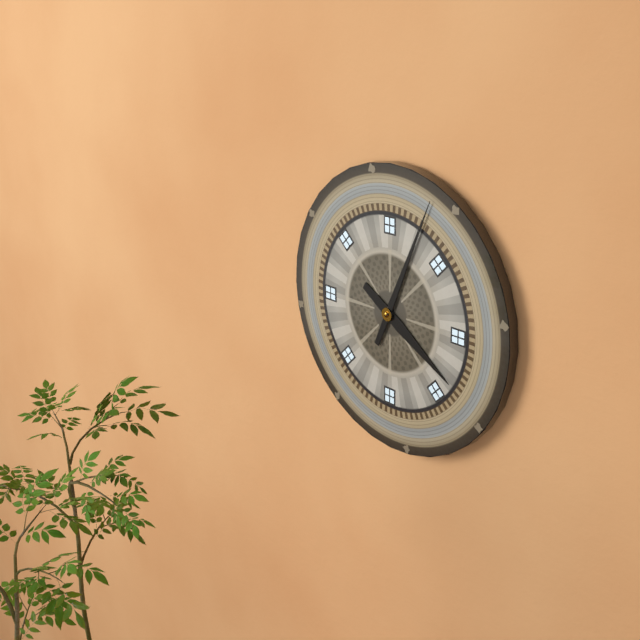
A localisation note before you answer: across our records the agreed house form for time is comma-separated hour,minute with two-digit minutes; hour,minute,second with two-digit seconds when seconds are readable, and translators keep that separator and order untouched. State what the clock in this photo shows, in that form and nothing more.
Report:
4,04
